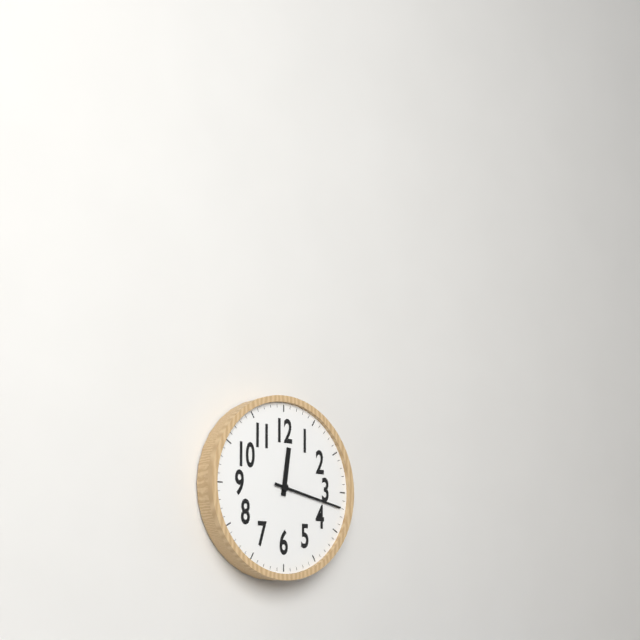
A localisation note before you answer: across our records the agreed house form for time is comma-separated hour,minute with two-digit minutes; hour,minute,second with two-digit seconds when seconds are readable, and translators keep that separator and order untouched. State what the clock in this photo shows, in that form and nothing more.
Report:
12,17
